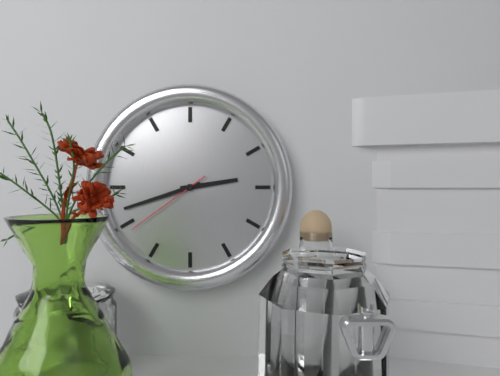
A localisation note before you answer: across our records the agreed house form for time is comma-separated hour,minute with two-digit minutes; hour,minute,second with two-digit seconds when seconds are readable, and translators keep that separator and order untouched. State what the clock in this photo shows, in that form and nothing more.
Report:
2,42,39
